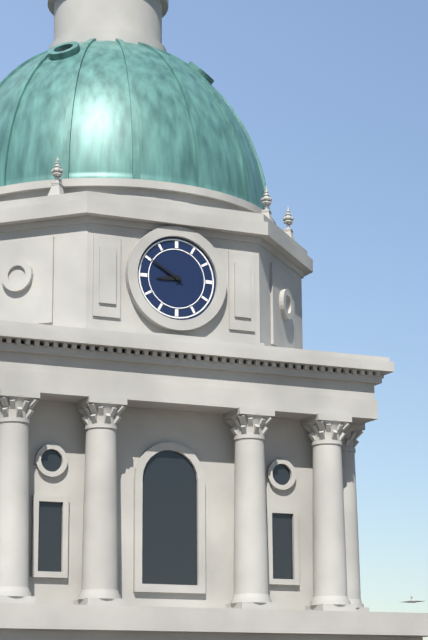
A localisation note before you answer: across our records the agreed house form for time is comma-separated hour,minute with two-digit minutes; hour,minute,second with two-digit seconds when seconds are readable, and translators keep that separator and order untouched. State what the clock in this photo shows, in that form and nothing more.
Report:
8,50
